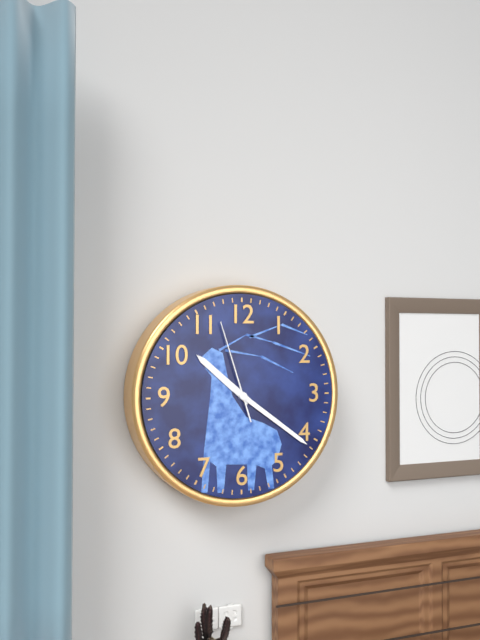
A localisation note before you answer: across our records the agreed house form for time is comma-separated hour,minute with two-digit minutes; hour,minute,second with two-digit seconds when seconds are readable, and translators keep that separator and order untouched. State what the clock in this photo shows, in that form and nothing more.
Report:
10,21,57
